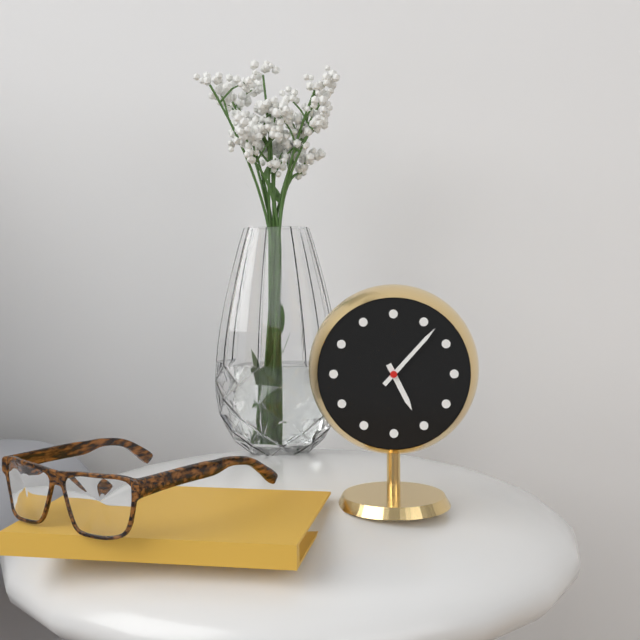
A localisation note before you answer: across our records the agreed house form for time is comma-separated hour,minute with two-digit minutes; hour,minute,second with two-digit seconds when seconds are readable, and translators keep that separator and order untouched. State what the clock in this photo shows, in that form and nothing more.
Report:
5,07
